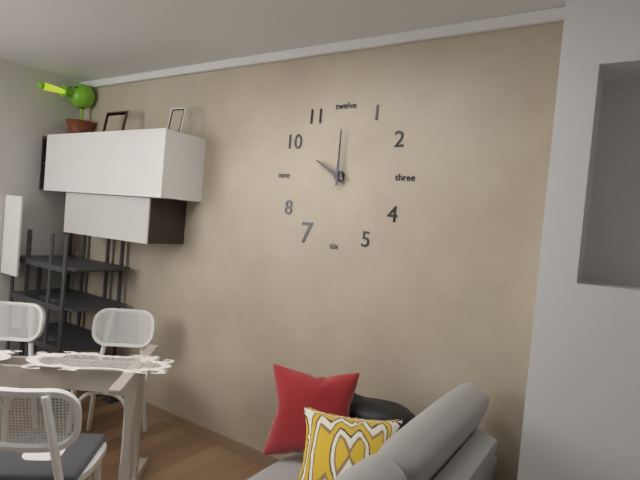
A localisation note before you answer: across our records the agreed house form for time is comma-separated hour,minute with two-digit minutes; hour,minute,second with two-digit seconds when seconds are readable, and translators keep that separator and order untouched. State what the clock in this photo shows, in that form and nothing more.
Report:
10,00
